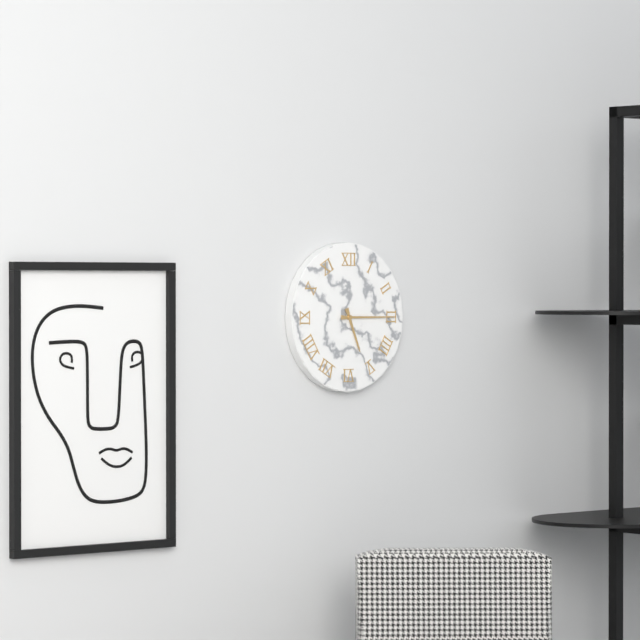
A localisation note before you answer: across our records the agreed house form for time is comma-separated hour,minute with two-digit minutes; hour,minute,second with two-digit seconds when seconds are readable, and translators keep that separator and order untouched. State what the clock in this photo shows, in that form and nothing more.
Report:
5,15
